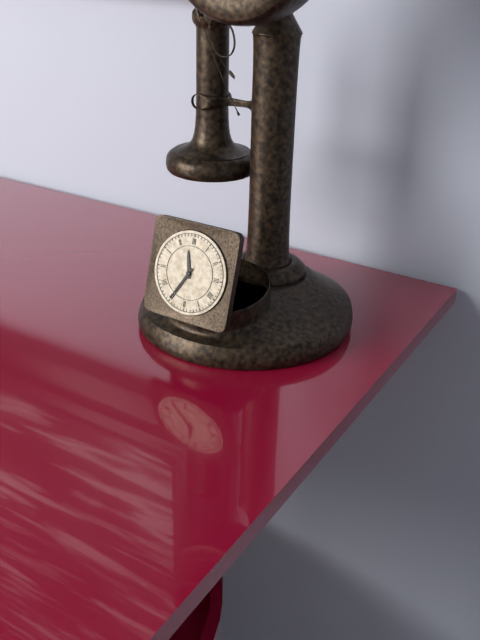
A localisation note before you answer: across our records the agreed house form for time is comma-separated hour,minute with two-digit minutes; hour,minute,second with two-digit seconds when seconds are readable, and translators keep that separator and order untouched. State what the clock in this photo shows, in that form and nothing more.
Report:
11,35
